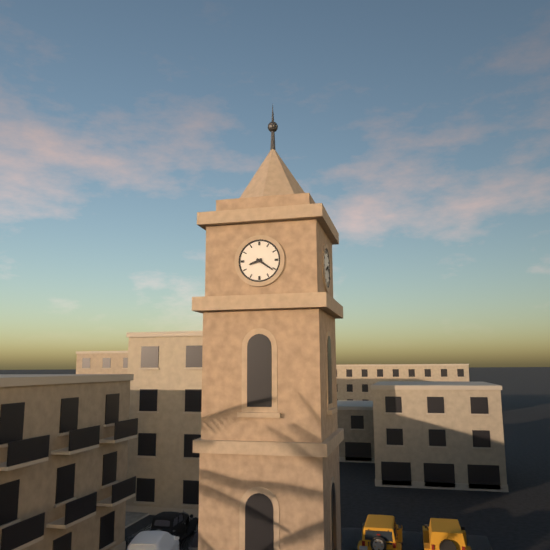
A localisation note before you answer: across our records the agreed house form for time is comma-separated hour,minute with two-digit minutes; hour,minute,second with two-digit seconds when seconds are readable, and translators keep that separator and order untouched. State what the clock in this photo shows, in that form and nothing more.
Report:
8,21
